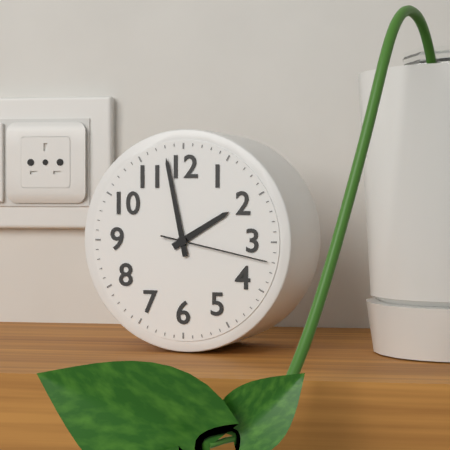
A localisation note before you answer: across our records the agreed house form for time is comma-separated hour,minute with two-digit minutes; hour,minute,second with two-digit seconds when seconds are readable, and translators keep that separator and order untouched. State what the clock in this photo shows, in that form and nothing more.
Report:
1,58,17
